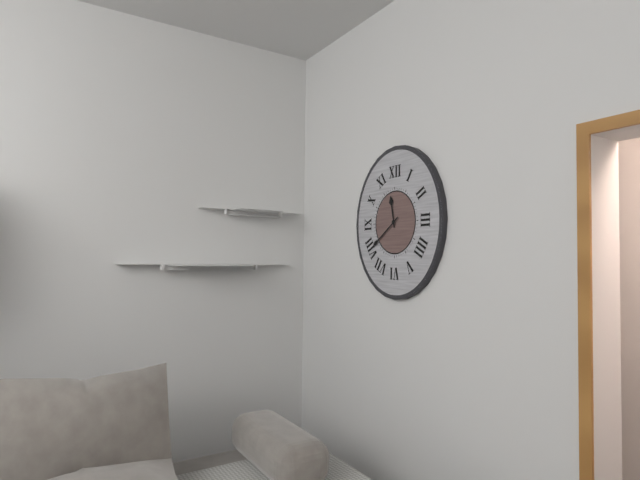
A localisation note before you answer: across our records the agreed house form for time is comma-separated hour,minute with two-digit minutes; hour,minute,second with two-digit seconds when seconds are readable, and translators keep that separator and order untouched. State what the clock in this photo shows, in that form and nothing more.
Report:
11,39
